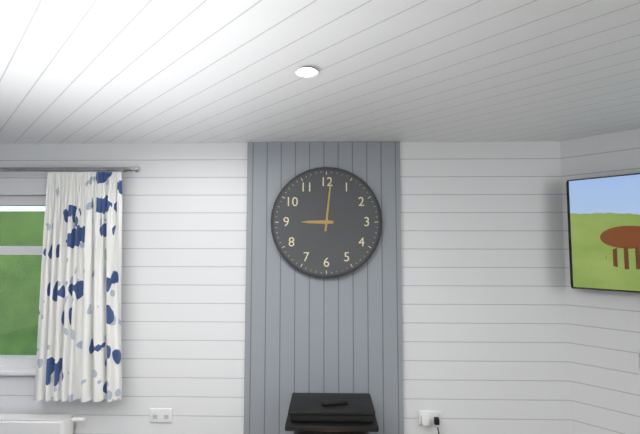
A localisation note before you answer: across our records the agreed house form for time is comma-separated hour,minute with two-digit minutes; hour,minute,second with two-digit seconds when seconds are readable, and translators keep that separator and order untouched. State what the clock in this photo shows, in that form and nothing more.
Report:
9,01
